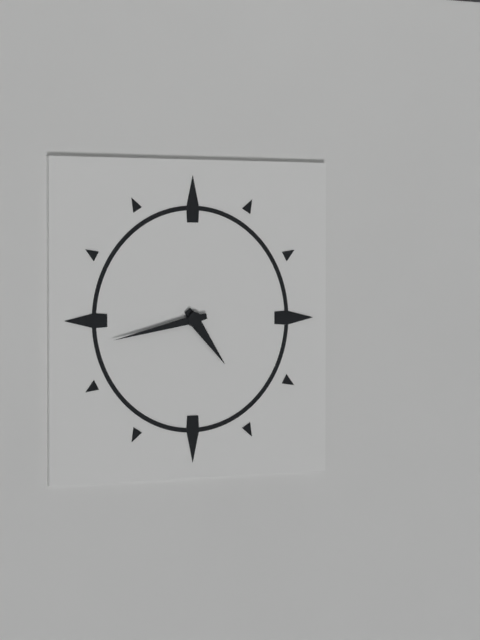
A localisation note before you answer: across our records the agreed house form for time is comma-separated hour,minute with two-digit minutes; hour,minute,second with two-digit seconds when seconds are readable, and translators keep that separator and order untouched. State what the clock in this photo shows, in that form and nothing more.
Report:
4,43
